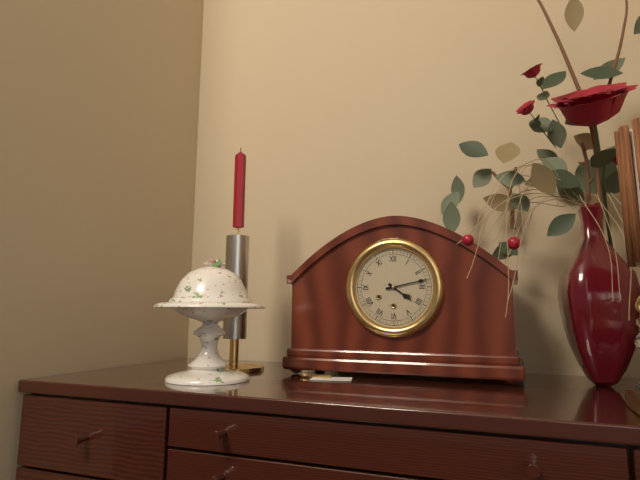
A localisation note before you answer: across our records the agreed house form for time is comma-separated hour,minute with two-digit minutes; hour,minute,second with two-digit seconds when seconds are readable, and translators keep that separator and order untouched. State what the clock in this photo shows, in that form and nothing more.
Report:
4,13
